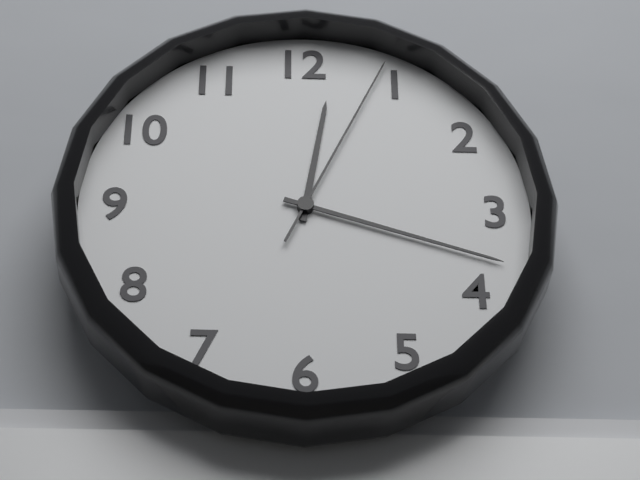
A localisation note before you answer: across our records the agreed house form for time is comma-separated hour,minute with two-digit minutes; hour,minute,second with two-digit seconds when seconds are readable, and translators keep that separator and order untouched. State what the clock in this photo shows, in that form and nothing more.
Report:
12,18,04
